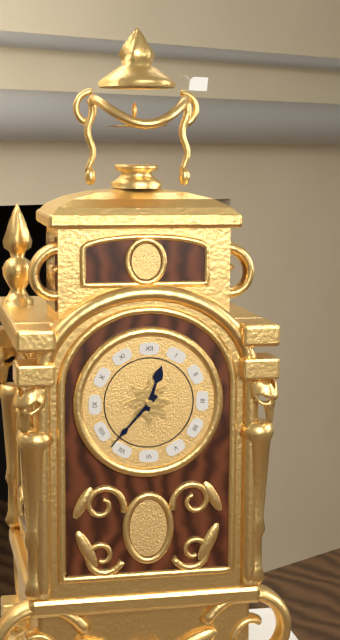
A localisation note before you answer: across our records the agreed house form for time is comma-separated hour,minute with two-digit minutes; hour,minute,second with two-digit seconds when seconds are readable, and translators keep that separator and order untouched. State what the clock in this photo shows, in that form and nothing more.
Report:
12,37
